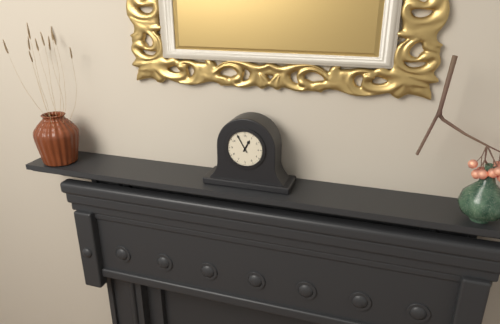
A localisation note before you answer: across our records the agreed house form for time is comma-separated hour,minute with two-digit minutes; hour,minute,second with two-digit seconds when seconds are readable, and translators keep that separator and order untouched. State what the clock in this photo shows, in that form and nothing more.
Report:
12,55
